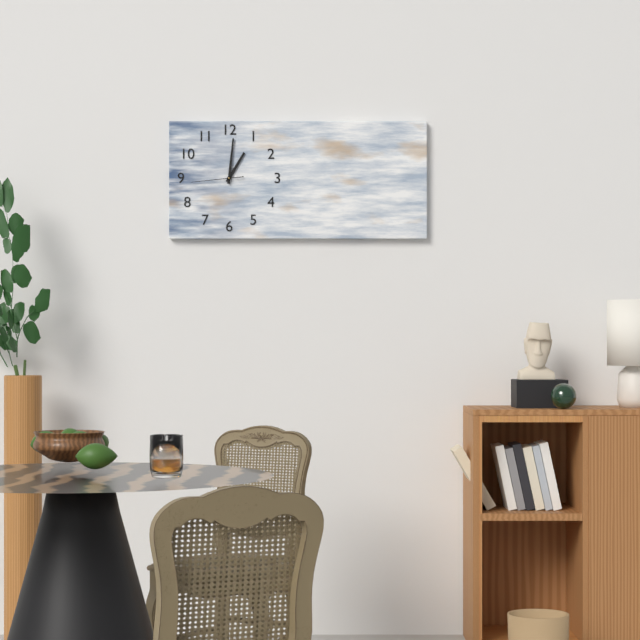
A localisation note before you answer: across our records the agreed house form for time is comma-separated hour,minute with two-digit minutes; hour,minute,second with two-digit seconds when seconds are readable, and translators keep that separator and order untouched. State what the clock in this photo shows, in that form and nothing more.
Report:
1,01
